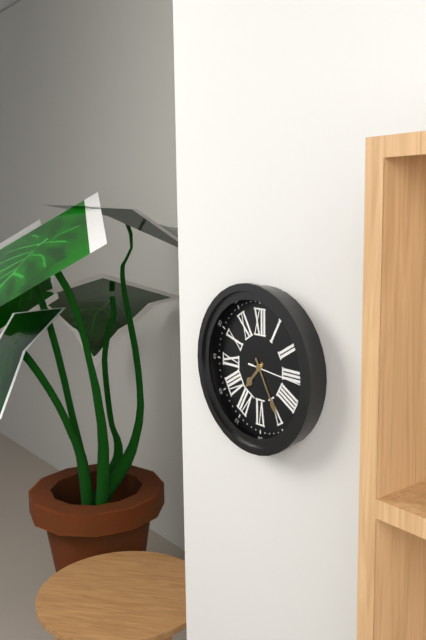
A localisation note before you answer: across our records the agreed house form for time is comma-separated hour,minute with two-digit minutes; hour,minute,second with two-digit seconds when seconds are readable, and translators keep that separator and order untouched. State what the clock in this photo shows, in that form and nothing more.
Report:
7,25,16
